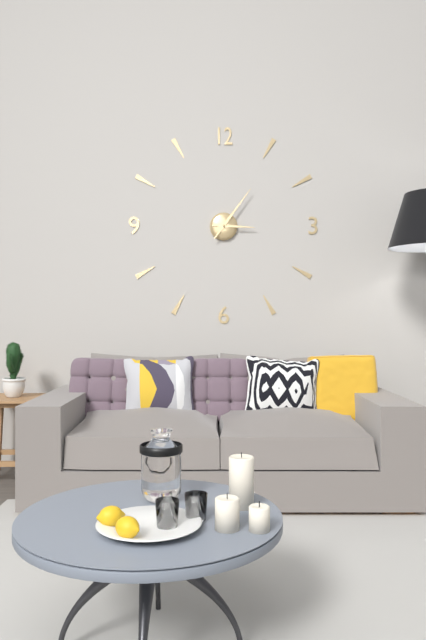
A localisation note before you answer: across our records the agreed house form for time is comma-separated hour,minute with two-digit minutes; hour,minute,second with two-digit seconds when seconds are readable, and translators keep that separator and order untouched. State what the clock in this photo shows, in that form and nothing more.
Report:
3,06
